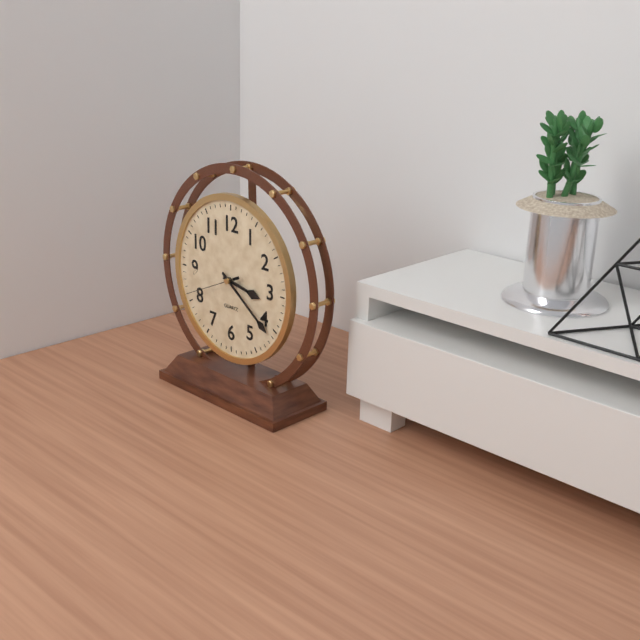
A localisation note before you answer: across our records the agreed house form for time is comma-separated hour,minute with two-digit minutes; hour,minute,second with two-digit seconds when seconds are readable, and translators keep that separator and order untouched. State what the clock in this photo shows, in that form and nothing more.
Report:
3,21,41
